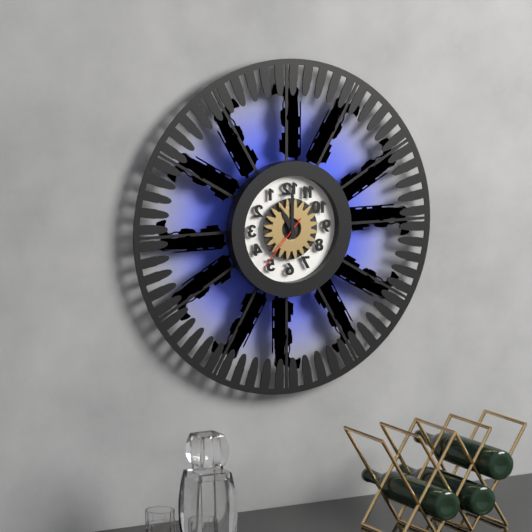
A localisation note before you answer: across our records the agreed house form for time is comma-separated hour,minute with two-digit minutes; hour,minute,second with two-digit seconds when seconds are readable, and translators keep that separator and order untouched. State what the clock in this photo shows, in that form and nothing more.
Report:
11,00,37
